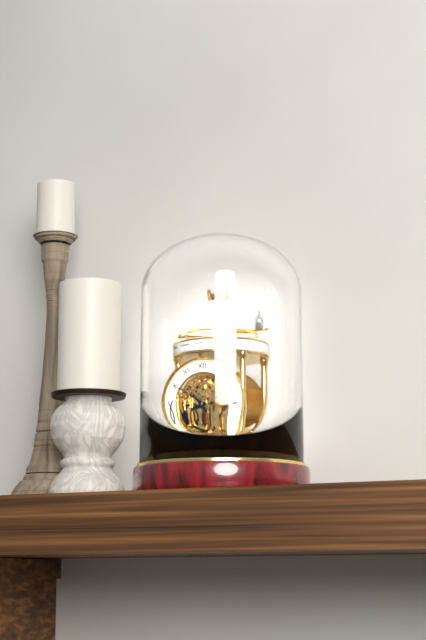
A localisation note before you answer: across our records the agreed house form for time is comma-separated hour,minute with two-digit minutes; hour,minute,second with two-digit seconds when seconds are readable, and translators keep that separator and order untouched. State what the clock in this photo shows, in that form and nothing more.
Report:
8,50
